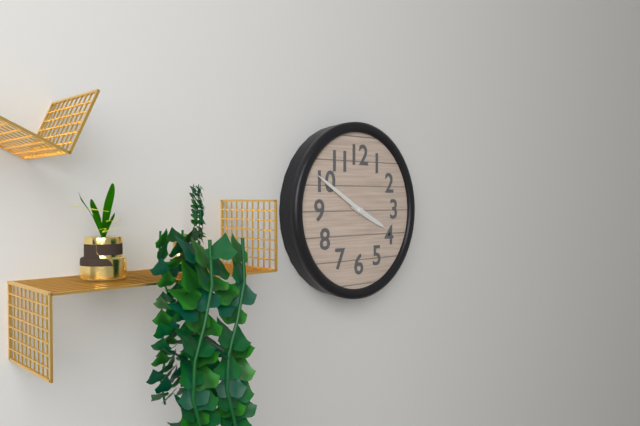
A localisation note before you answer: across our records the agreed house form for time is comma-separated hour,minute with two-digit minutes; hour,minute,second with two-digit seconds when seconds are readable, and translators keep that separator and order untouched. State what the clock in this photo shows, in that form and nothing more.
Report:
3,50
